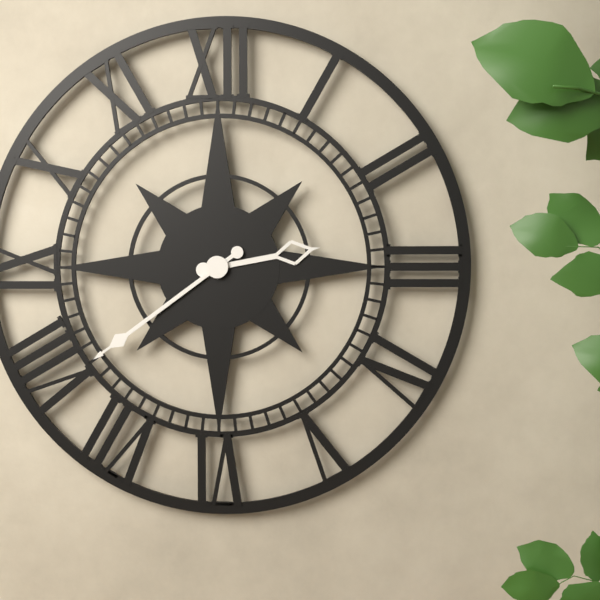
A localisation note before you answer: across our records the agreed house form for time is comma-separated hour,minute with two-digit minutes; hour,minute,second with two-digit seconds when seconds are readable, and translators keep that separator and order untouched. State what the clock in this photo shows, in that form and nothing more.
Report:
2,39
